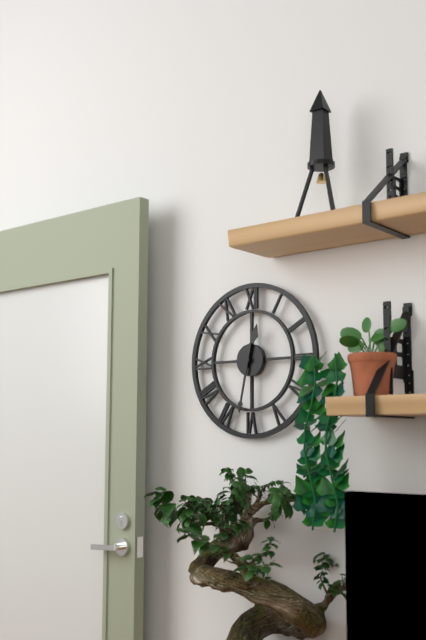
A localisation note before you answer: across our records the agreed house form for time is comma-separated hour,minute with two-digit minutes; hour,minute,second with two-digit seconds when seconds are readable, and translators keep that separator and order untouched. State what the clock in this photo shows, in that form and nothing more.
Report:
12,32
